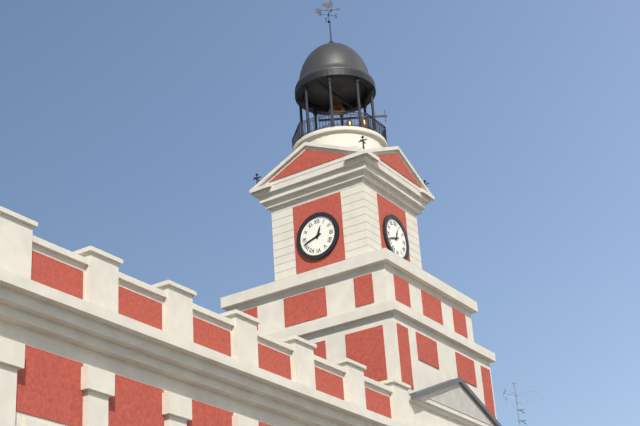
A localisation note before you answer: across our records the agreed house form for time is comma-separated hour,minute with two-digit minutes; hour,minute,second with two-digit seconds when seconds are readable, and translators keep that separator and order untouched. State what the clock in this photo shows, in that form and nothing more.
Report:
12,42
